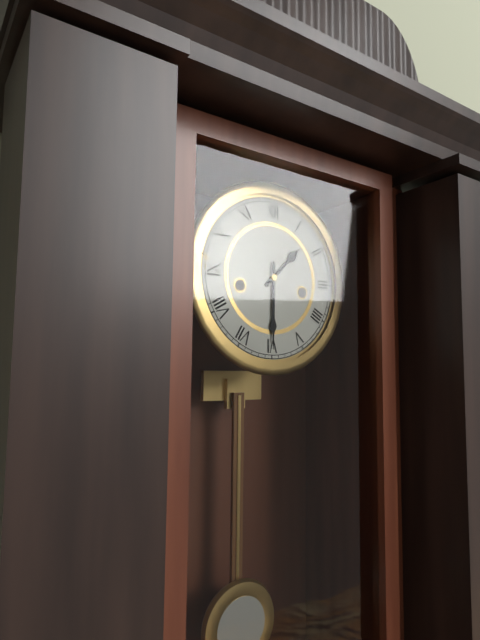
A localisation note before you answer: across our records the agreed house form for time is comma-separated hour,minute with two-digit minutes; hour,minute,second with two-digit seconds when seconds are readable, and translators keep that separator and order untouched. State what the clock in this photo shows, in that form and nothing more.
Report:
1,30
